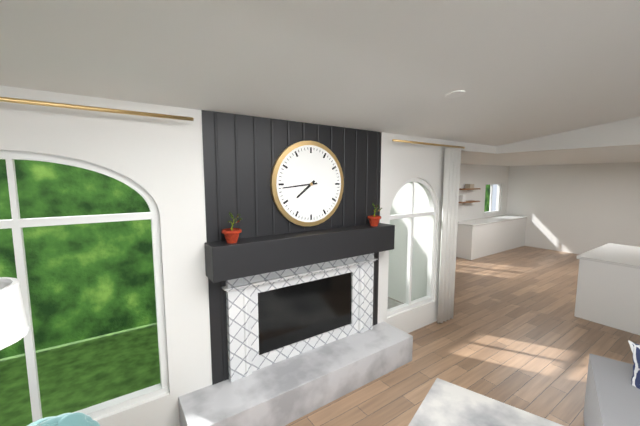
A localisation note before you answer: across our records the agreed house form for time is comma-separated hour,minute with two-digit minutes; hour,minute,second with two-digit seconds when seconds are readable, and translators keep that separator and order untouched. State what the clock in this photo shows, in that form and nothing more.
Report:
7,44
